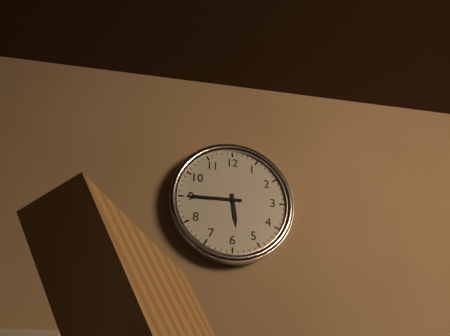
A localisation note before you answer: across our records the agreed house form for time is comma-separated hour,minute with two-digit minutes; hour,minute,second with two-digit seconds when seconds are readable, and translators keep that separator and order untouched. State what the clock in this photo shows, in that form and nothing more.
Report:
5,45
